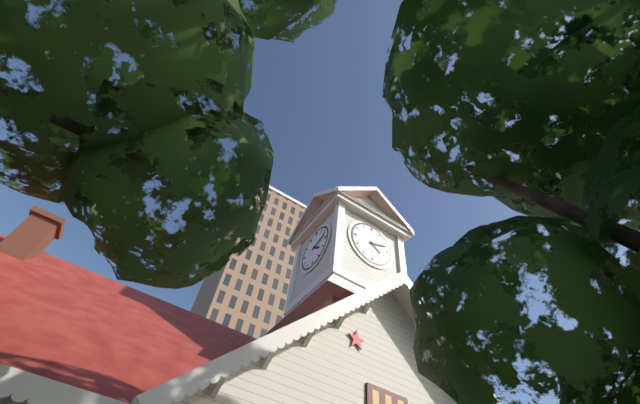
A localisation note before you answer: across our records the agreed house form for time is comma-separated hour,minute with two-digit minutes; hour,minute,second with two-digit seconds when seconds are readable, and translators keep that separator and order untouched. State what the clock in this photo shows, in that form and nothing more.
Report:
4,12
